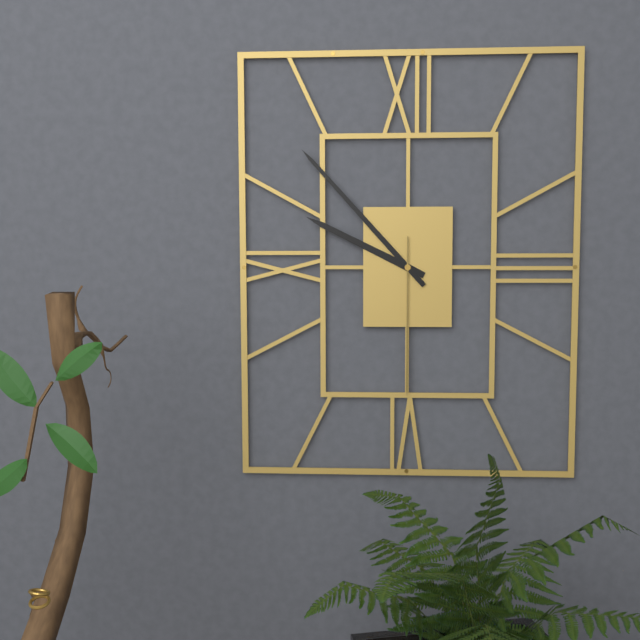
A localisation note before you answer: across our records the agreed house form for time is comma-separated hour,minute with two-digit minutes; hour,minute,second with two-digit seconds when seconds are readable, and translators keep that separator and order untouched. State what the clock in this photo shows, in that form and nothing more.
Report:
9,53,30
